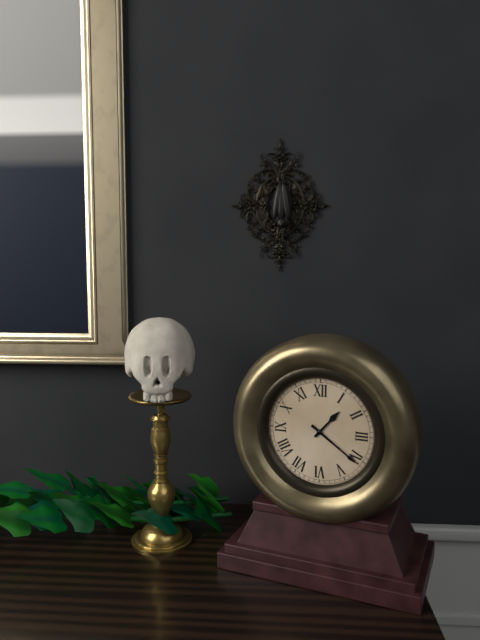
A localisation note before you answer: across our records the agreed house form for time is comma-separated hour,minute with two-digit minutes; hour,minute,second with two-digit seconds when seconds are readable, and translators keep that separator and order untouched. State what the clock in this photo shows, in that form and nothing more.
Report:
1,21
